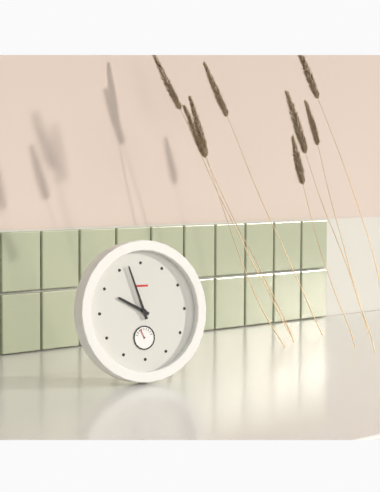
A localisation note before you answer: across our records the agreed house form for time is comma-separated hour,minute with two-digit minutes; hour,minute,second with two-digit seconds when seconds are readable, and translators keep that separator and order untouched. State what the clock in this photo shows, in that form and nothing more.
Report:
9,57
